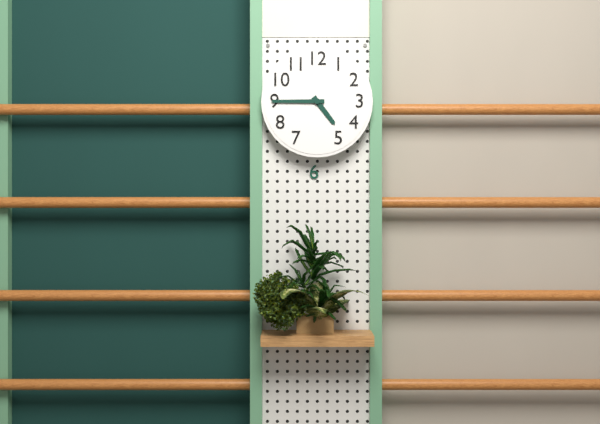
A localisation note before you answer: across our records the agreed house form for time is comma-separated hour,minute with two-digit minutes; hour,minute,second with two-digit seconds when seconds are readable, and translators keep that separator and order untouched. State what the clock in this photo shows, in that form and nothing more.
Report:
4,45
